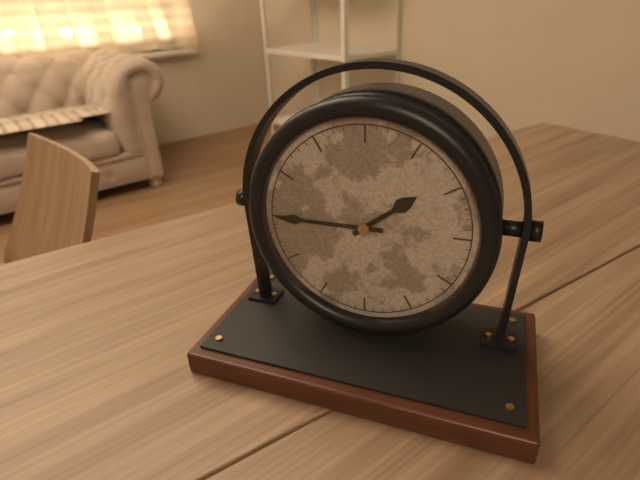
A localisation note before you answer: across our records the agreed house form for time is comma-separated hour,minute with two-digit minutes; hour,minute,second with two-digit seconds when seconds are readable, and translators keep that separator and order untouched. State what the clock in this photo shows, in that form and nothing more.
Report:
1,45
